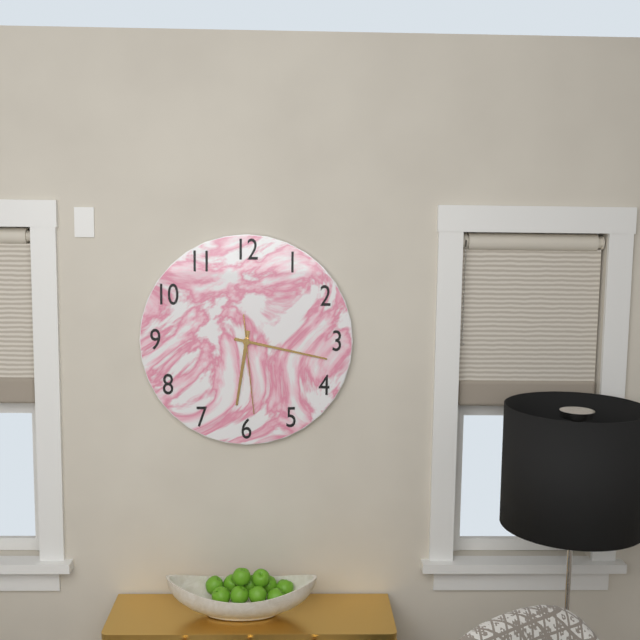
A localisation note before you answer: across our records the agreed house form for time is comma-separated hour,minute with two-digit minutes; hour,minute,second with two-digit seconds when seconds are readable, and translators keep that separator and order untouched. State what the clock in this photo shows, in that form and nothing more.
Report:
6,17,29
